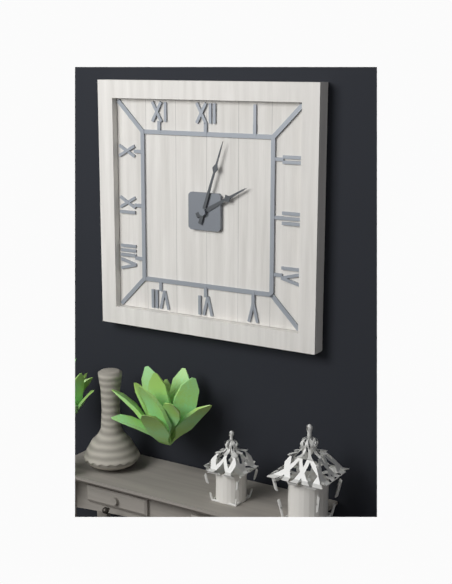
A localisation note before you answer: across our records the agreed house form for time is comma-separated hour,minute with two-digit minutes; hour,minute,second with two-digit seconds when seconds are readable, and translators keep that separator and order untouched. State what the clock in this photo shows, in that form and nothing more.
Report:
2,03
